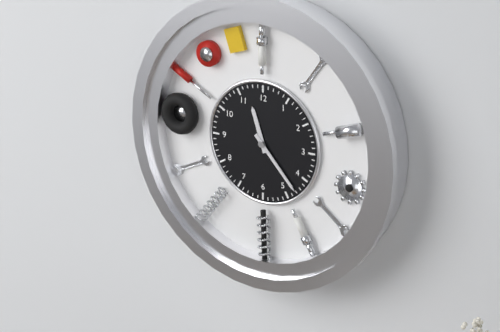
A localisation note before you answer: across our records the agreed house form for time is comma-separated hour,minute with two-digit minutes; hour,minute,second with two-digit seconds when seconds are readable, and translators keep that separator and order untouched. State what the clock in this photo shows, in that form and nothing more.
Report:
11,23
